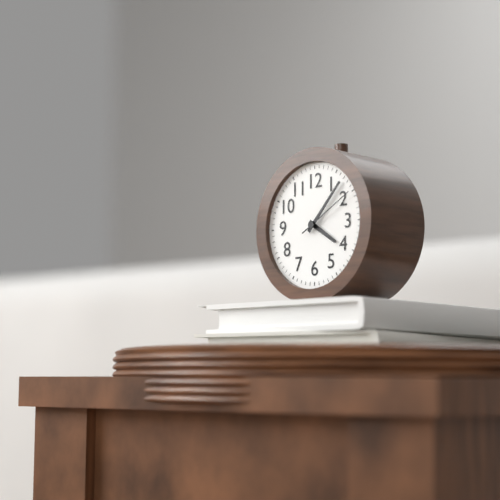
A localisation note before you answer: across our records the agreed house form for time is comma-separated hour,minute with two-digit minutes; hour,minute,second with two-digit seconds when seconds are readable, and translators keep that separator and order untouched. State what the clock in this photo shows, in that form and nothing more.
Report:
4,07,10
